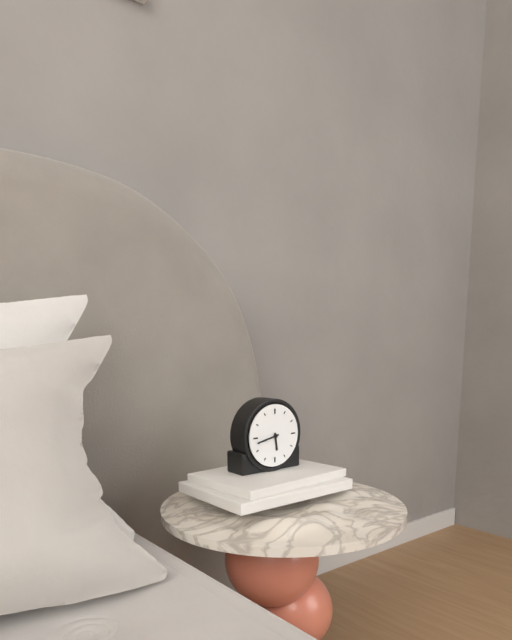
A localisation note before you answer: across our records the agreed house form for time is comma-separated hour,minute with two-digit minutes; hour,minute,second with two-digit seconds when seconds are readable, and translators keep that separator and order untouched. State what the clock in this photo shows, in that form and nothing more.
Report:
5,43
